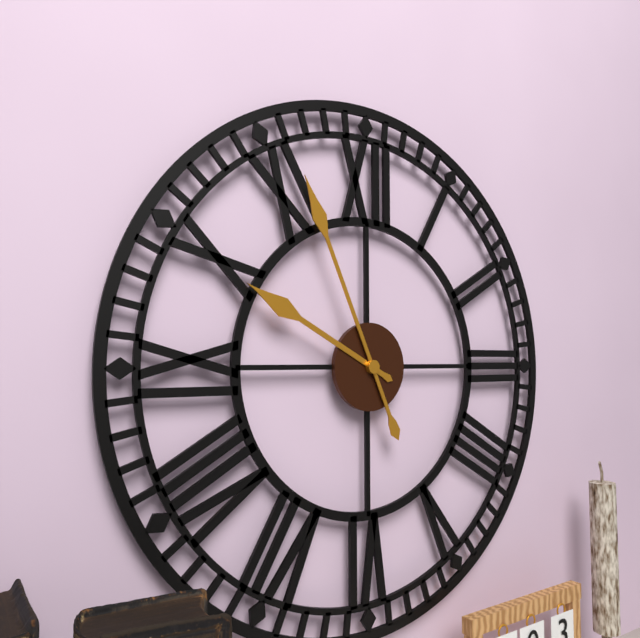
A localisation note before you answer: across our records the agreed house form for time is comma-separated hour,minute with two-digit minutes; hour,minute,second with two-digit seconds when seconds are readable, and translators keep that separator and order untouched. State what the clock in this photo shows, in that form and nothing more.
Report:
9,56
